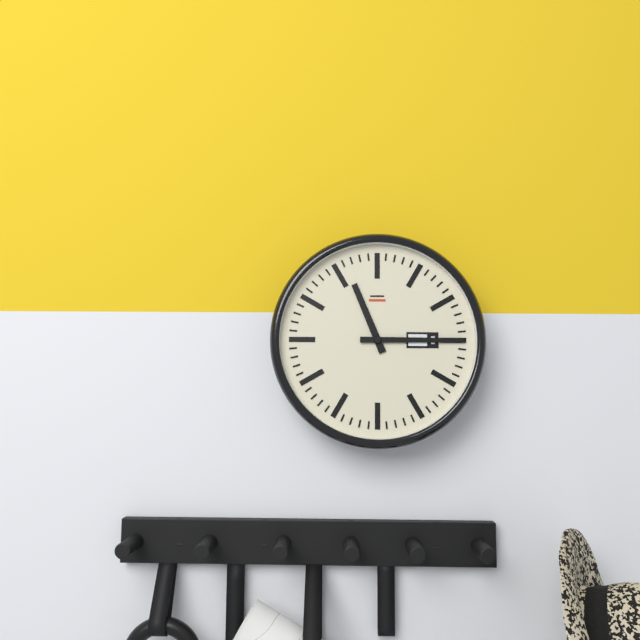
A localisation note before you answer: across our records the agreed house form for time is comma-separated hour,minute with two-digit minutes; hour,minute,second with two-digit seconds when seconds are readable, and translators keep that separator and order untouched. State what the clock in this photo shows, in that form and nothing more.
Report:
11,15
